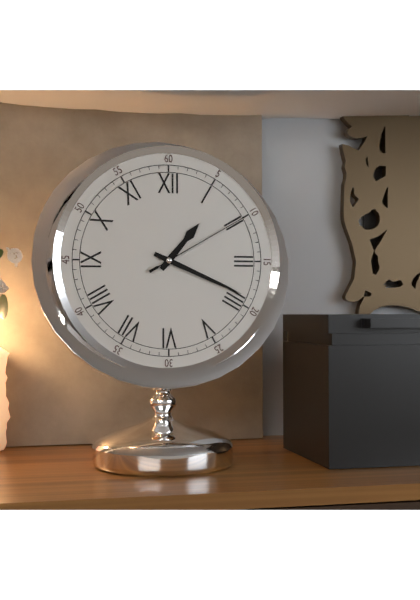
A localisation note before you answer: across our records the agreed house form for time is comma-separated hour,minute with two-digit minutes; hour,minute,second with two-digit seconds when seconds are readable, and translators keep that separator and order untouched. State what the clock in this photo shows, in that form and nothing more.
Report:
1,19,10
